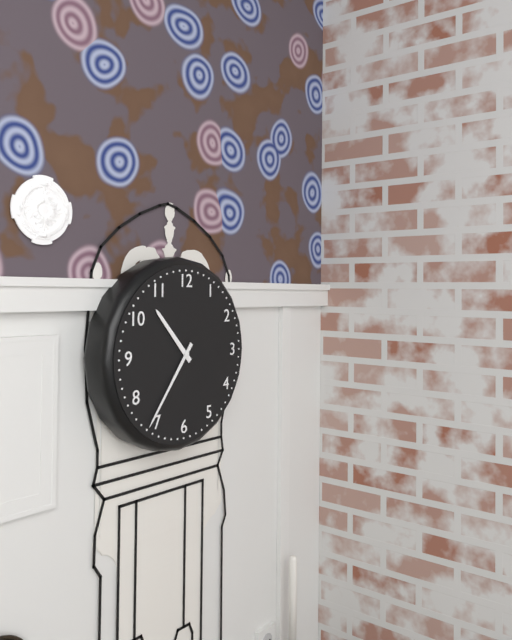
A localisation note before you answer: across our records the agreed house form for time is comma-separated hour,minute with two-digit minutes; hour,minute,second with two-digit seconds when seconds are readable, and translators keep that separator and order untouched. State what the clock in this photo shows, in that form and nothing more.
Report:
10,36
